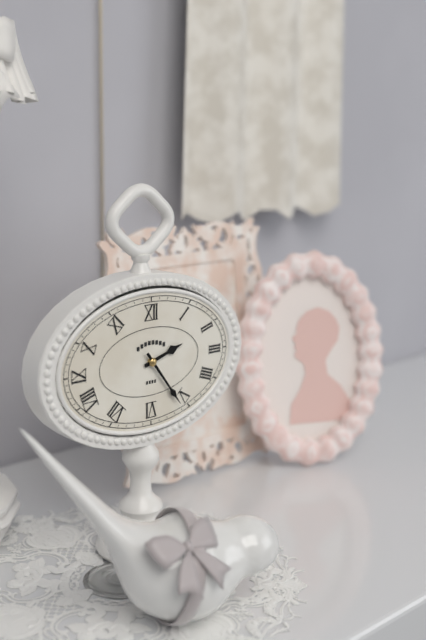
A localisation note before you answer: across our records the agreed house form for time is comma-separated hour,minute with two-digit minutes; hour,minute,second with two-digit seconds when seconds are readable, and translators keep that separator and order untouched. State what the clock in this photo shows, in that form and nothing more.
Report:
2,24
